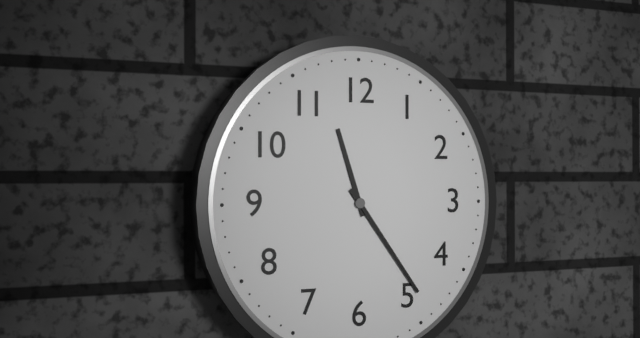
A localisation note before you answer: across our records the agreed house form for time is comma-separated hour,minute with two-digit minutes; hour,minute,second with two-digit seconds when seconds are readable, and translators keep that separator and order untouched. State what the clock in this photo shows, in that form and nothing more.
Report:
11,24
